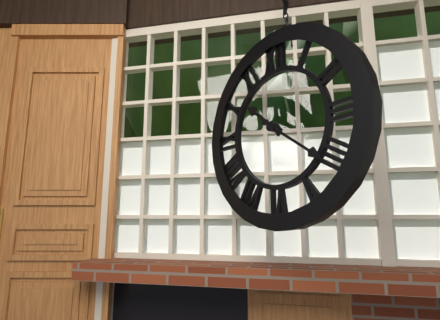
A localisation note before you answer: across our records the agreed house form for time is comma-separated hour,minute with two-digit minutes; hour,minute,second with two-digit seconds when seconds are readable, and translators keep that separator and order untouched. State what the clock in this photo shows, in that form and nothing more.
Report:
10,21
